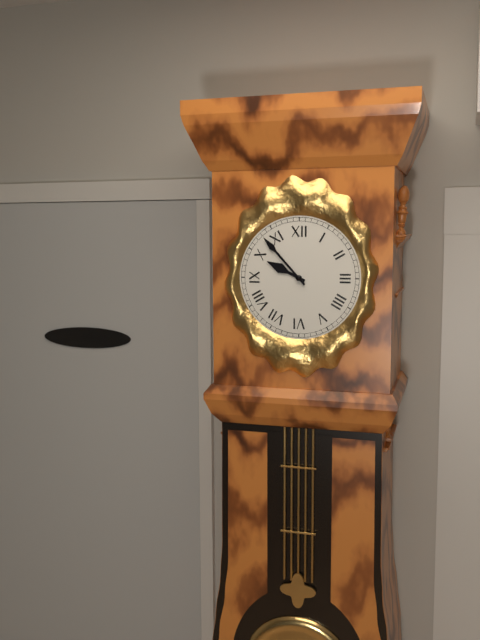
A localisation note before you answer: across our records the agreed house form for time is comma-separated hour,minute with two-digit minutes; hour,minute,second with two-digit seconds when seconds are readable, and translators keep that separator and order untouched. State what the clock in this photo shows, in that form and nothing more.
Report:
9,53
